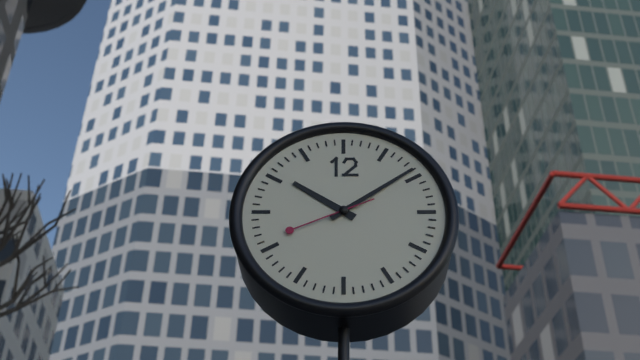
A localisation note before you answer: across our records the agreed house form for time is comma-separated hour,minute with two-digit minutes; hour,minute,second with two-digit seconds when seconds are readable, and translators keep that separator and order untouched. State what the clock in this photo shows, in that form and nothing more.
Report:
10,09,41
